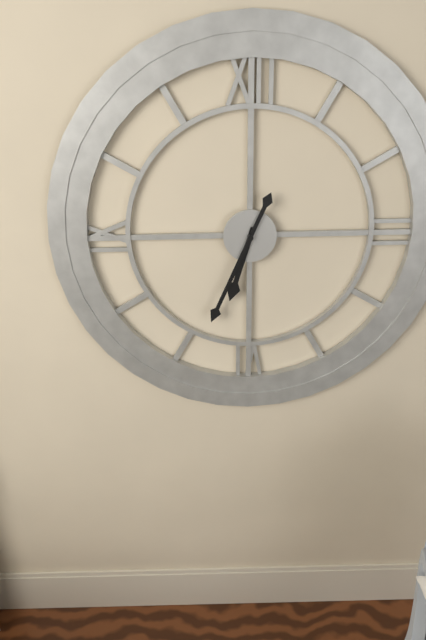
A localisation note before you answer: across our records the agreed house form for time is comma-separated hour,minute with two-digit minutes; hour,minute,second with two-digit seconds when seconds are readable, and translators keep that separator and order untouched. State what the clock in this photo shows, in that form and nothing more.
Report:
6,34
